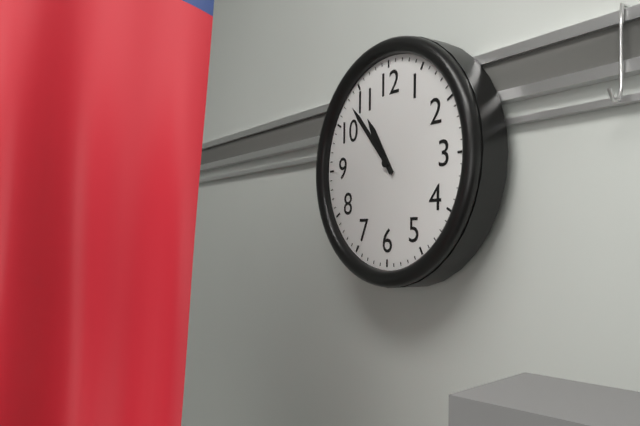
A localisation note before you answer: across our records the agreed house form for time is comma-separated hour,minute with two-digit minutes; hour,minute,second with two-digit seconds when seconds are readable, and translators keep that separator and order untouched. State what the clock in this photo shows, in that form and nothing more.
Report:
10,53
